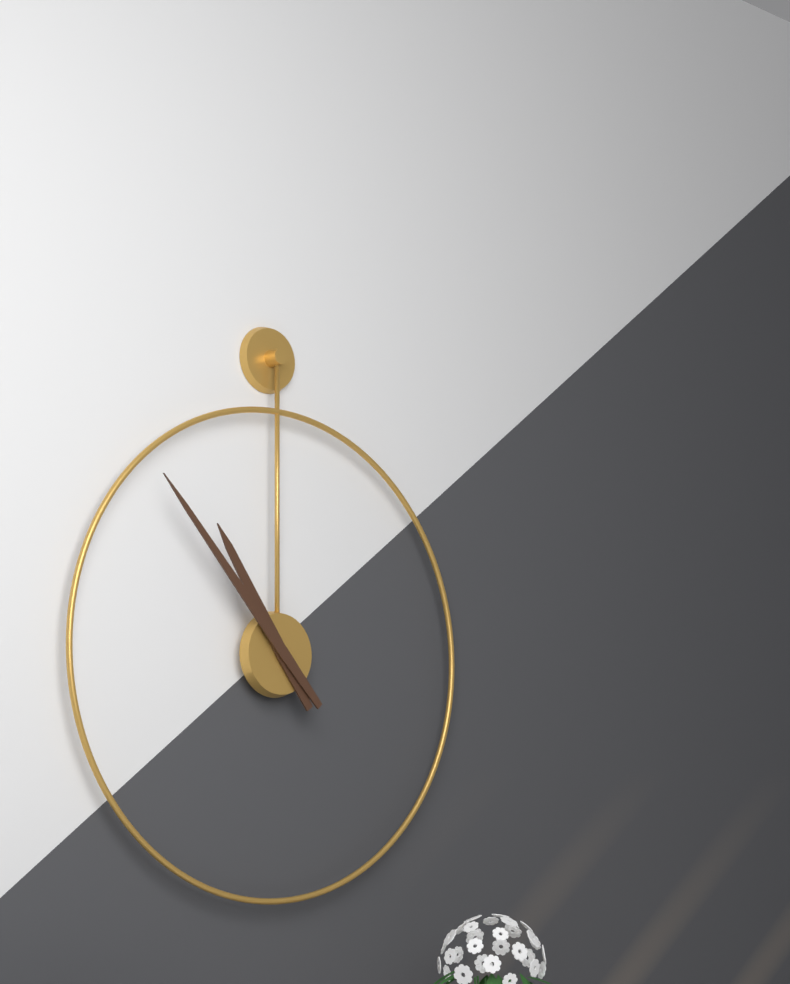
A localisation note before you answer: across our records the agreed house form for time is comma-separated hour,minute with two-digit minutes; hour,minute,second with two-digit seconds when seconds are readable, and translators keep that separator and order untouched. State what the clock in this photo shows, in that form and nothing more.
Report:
10,53
